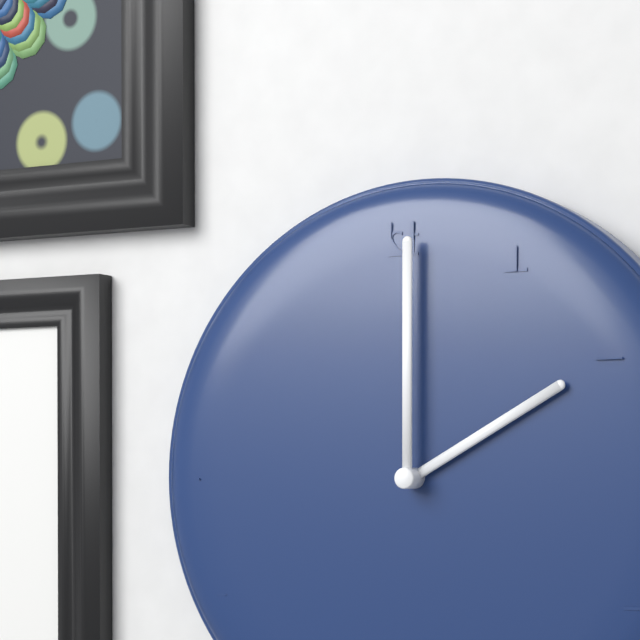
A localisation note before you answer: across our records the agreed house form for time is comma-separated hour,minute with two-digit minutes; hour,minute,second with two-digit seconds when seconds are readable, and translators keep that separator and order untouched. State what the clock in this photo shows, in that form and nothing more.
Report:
2,00
